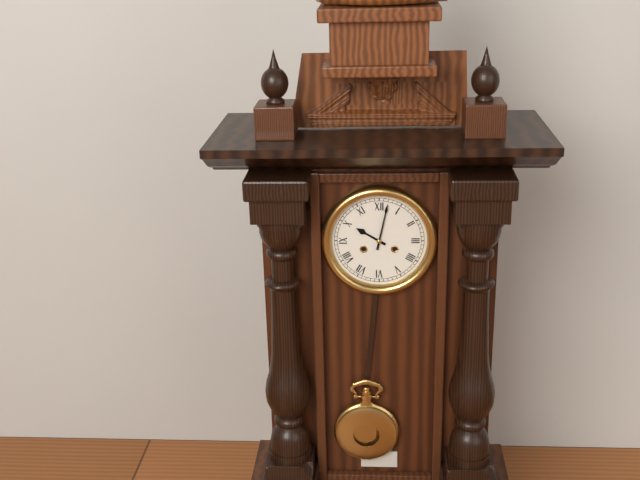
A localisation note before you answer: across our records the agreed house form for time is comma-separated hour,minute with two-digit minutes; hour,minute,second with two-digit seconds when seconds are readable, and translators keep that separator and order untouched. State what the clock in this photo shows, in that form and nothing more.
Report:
10,02
